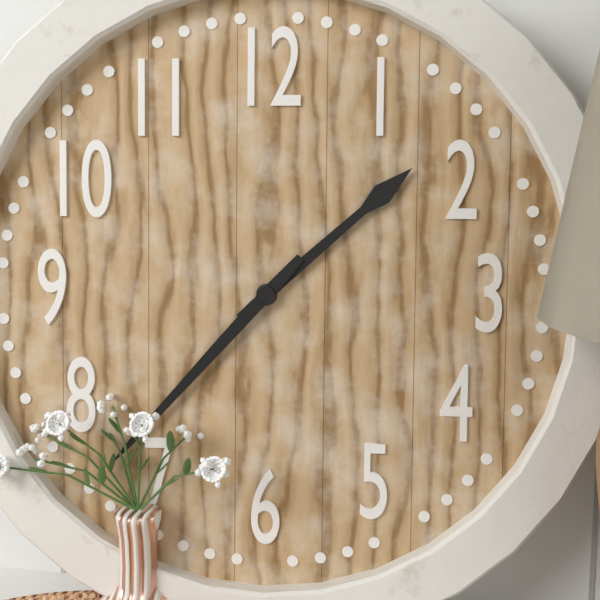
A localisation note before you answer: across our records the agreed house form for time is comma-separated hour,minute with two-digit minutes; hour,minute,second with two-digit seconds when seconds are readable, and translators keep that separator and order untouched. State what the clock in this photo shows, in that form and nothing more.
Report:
1,37
